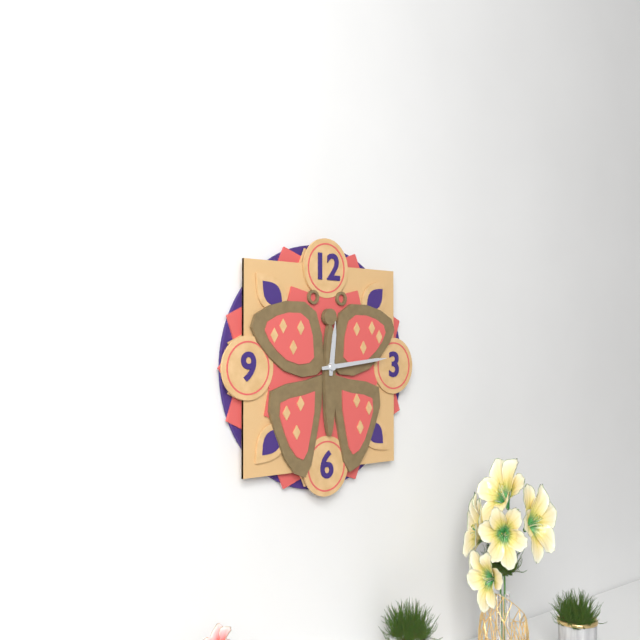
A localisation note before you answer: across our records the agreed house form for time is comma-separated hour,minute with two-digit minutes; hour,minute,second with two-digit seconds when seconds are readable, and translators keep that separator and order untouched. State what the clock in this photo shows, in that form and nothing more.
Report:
12,14
